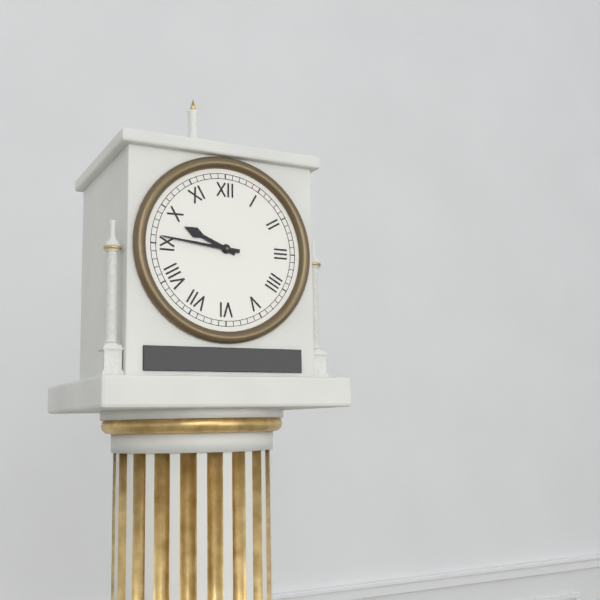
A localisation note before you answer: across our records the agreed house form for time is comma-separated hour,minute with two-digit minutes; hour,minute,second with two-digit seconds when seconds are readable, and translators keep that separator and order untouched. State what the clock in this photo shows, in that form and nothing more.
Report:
9,46
